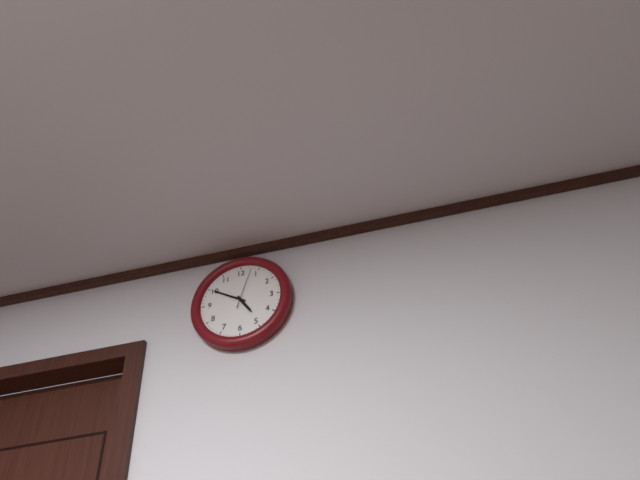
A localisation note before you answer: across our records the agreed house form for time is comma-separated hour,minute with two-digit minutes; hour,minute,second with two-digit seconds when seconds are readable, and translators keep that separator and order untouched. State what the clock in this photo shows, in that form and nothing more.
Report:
4,50
